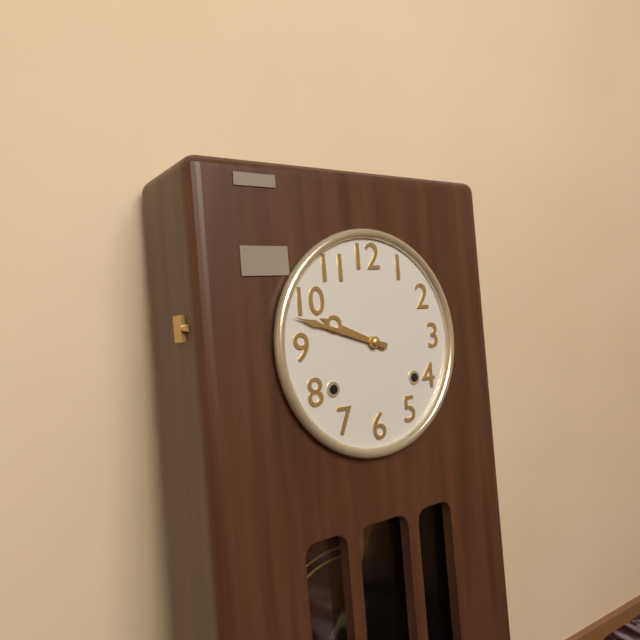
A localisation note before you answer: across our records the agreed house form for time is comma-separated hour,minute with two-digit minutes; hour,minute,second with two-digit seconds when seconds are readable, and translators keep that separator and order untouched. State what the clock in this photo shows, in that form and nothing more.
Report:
9,48
